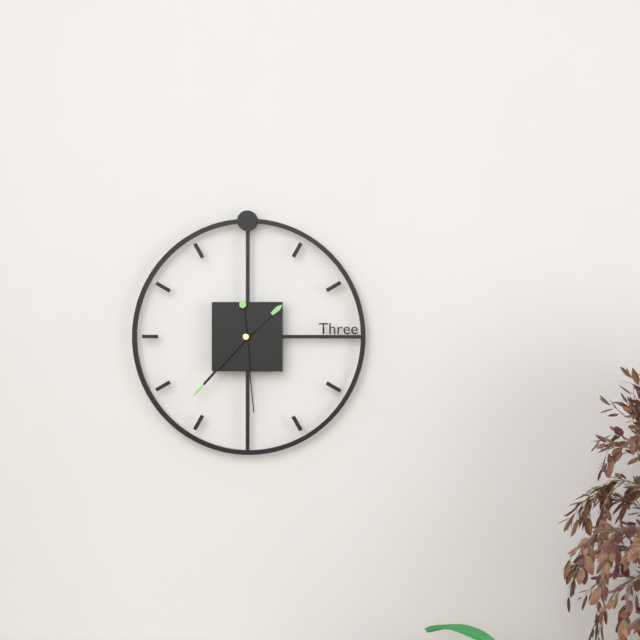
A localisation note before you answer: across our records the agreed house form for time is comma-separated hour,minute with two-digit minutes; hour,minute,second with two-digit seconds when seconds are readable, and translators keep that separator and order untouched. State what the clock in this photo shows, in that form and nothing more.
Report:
1,37,29
